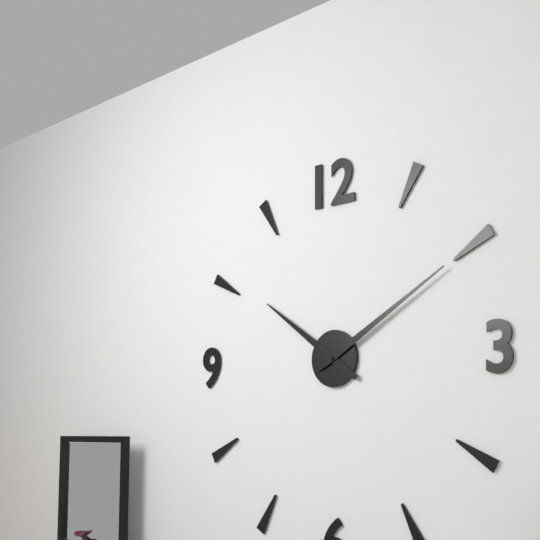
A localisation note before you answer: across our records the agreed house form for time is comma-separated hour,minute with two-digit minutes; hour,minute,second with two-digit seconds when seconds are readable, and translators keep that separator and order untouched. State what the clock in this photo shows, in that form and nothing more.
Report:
10,10
